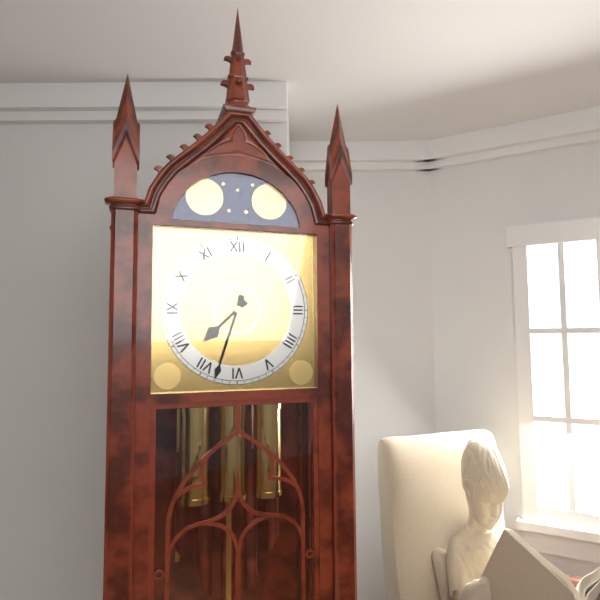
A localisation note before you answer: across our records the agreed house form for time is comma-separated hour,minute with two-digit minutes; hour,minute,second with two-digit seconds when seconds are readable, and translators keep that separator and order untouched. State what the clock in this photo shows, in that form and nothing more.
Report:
7,33
